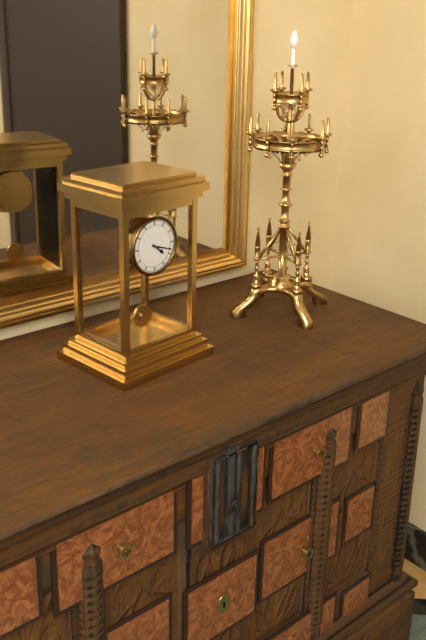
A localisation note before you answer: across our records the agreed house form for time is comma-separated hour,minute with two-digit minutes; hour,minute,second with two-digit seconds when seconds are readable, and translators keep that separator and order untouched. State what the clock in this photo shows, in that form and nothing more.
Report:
4,18
